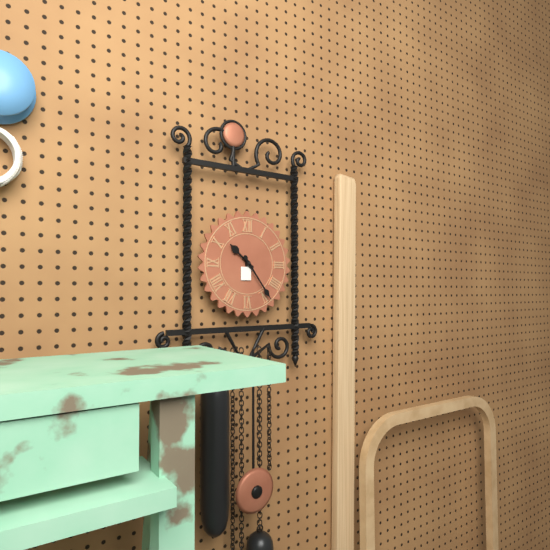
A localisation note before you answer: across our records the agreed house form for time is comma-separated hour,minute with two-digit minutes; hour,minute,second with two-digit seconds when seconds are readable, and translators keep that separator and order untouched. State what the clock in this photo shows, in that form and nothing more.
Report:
10,24
